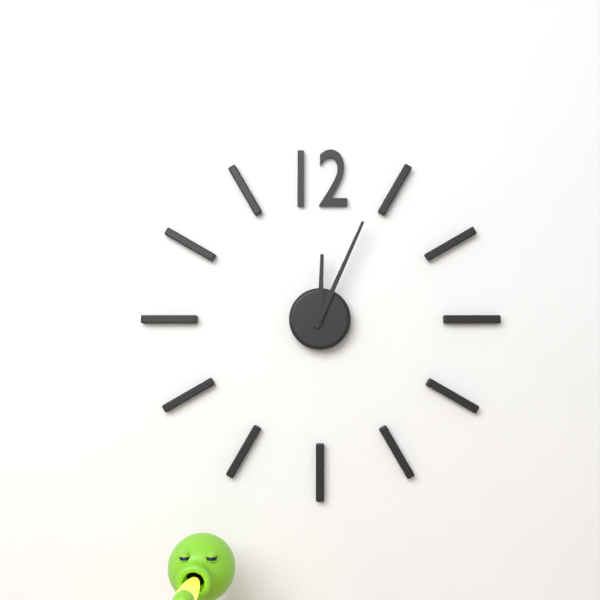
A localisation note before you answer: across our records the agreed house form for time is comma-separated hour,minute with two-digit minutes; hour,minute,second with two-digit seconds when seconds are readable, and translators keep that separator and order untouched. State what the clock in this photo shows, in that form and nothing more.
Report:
12,04
